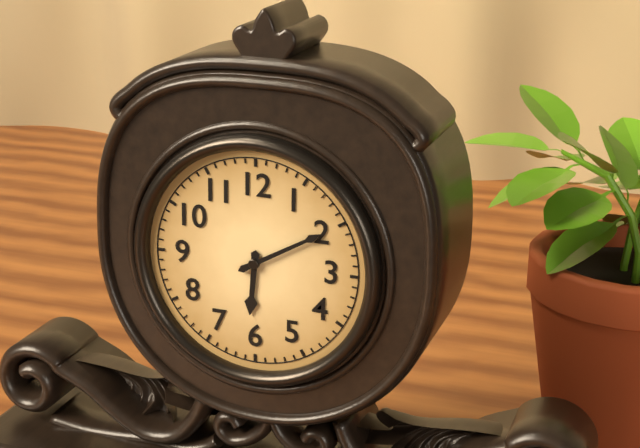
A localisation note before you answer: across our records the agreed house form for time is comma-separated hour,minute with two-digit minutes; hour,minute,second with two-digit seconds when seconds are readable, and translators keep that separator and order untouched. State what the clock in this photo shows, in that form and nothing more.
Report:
6,10
